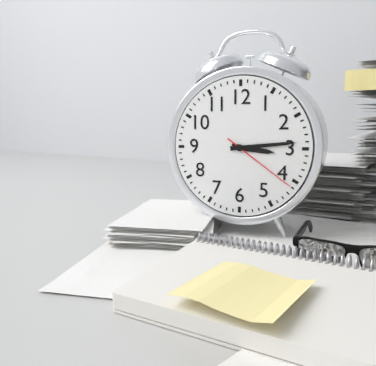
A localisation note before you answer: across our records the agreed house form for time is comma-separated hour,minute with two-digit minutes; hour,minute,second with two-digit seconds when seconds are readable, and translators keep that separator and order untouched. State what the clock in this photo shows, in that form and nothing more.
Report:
3,14,21
